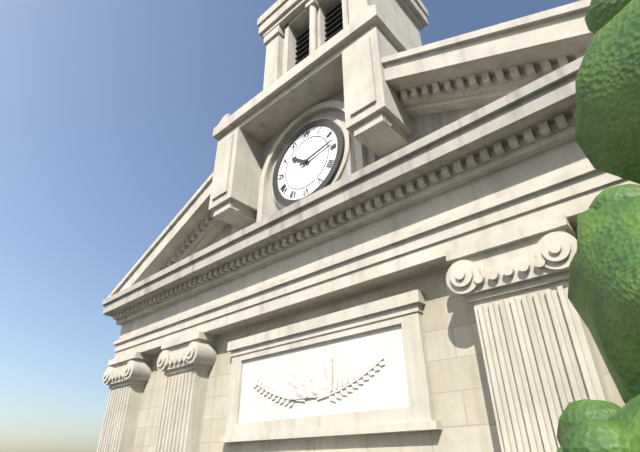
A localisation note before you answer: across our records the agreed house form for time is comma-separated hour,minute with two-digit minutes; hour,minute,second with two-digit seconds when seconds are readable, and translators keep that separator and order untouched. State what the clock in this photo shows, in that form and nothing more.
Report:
10,13
